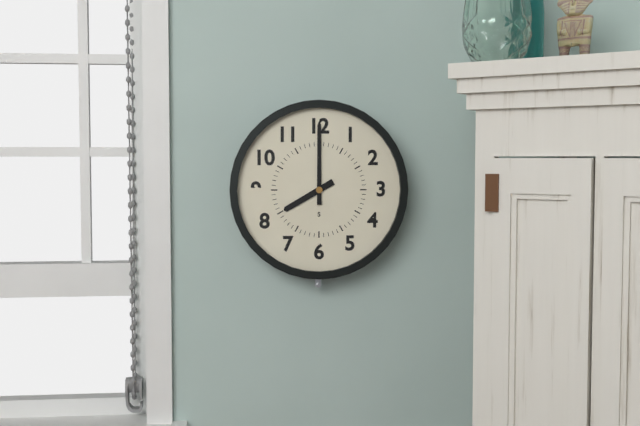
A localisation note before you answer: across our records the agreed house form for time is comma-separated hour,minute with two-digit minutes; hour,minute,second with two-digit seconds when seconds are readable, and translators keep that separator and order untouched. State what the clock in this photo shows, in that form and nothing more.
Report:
8,00
